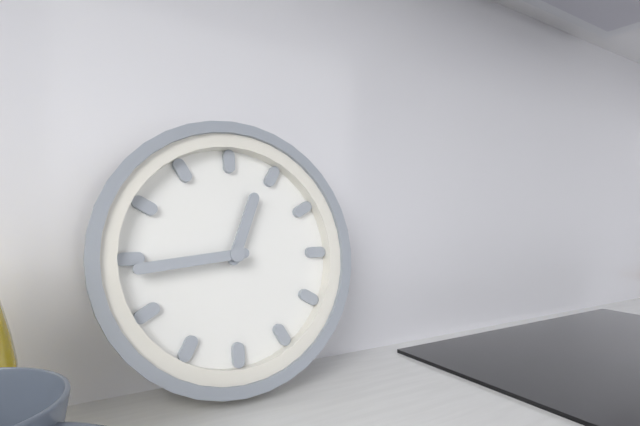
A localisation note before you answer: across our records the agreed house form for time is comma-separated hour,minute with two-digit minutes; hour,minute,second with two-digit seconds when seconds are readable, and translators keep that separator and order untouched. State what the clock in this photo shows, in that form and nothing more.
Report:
12,44
